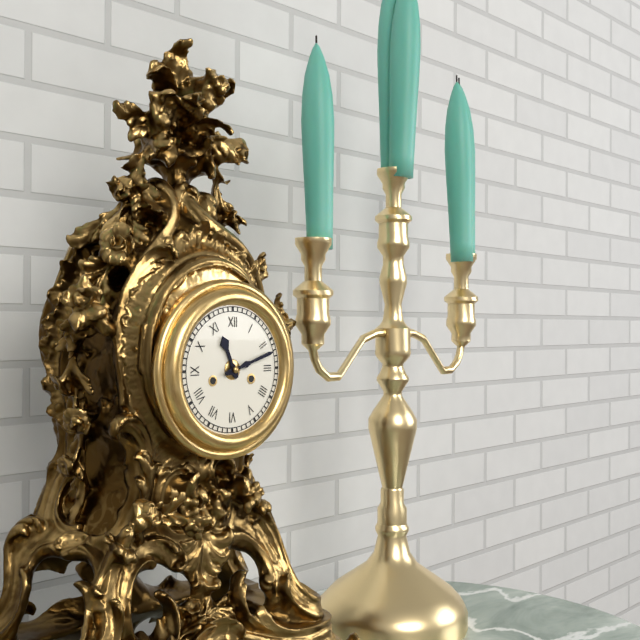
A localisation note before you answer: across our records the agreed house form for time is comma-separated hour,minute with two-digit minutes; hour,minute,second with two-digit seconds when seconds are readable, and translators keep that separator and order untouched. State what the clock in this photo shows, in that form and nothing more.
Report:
11,12
